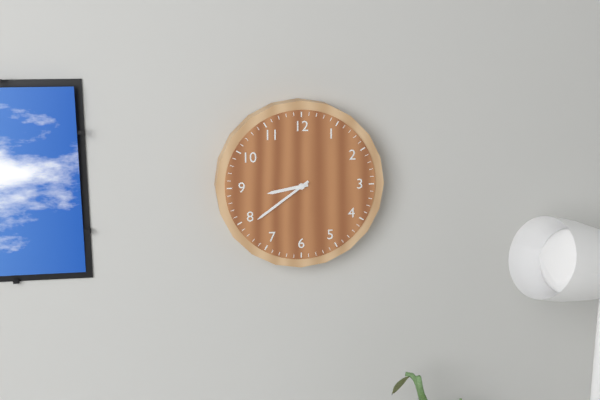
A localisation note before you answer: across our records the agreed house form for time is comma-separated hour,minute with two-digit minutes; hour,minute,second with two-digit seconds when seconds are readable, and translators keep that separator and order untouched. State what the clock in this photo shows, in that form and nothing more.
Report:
8,39
